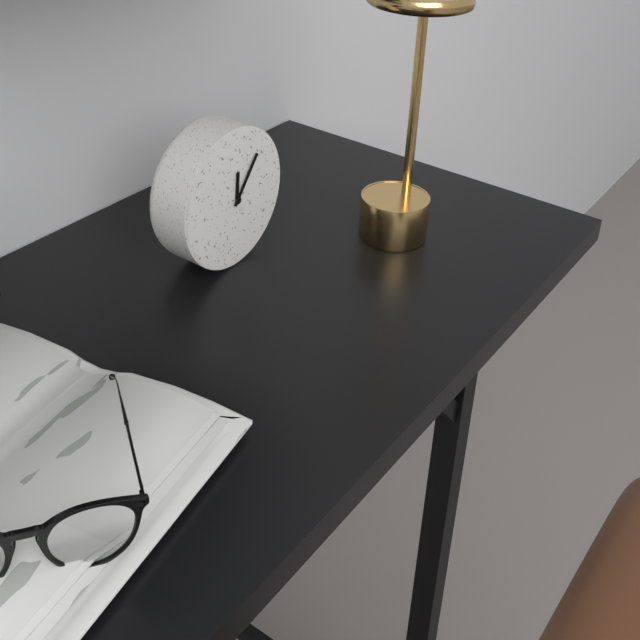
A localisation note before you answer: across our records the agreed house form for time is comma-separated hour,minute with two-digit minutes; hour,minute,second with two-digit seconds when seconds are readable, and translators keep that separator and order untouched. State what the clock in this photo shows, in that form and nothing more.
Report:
12,06
